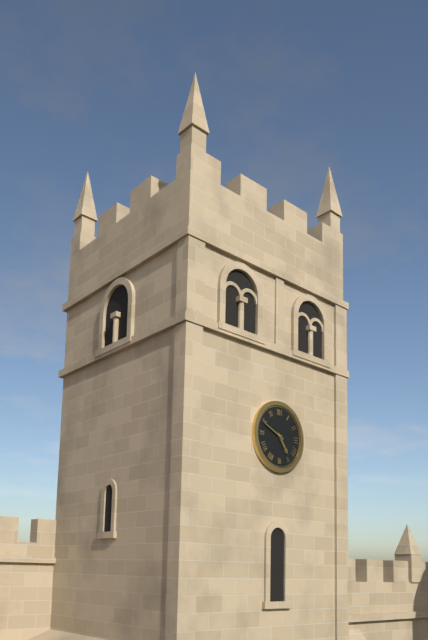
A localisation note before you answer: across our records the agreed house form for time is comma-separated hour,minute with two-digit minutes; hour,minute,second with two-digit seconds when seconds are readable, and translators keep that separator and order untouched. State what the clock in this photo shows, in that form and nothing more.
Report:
4,49
